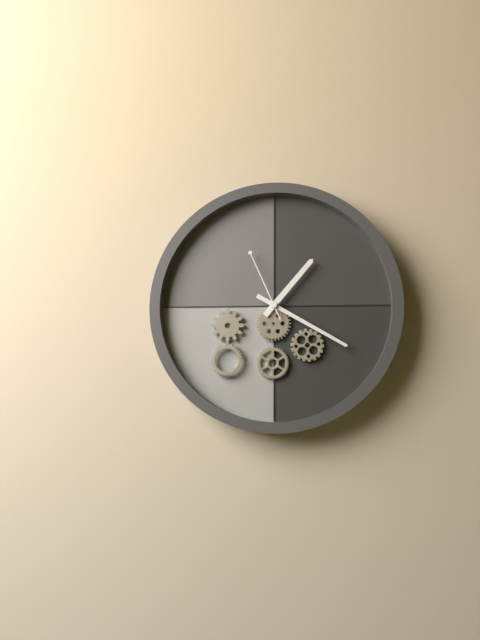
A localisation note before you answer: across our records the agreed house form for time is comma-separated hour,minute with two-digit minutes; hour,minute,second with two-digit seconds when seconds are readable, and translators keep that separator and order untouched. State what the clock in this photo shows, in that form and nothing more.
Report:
1,20,56
